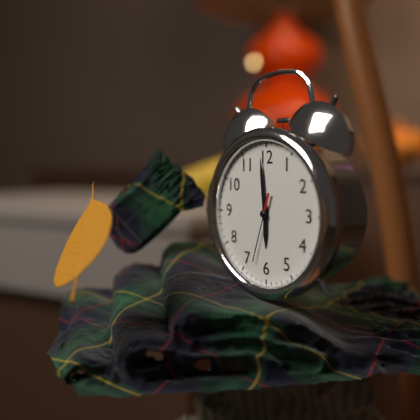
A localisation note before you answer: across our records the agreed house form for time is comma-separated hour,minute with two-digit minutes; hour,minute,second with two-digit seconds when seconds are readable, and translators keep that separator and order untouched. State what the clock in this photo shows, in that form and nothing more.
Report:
5,59,33
